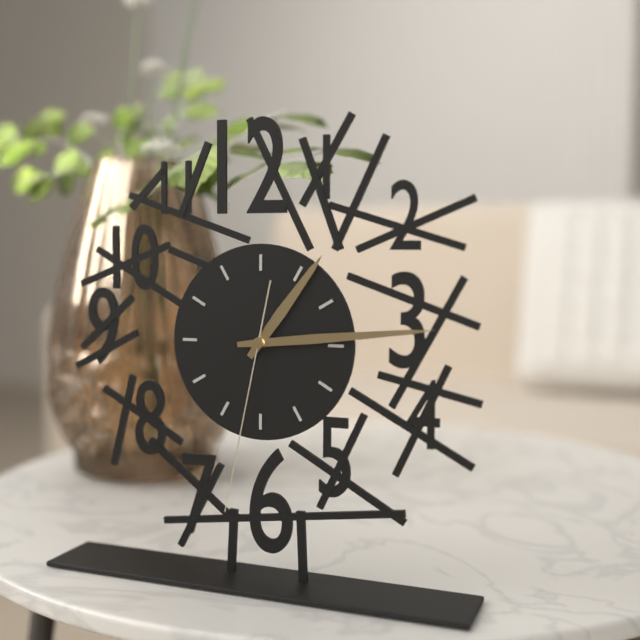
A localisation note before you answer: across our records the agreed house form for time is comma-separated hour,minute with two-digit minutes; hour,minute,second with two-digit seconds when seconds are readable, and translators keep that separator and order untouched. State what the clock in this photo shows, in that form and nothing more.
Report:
1,14,32
